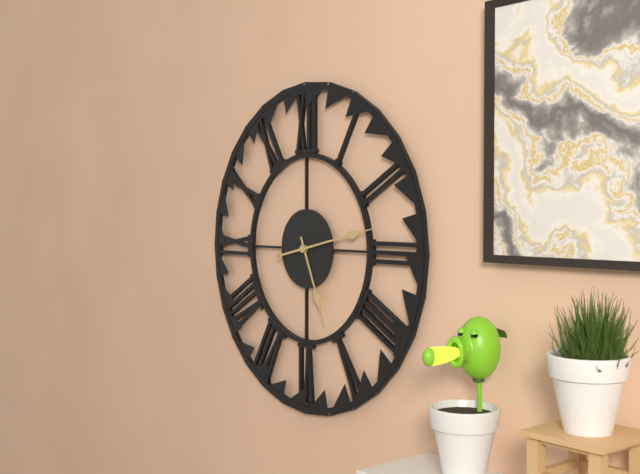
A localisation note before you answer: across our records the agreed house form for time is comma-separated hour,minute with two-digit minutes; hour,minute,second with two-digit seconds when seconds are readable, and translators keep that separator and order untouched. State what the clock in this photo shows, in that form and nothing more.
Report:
5,13
